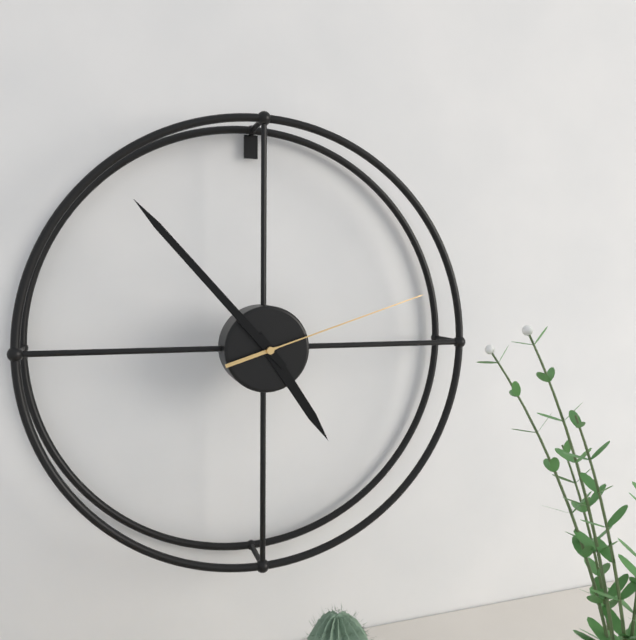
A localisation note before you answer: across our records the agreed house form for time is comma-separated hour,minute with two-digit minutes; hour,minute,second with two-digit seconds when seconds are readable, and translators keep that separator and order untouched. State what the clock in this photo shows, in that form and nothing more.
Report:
4,53,12
